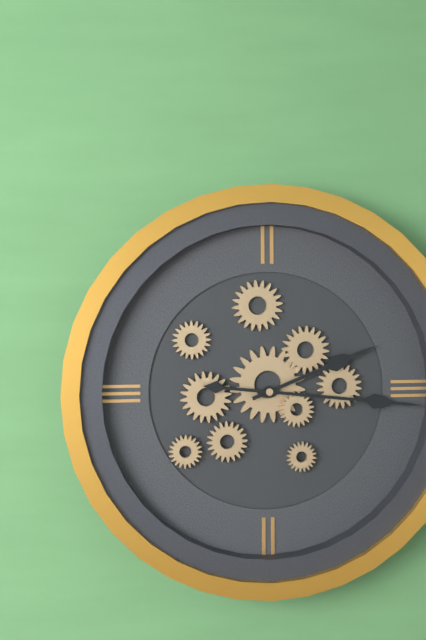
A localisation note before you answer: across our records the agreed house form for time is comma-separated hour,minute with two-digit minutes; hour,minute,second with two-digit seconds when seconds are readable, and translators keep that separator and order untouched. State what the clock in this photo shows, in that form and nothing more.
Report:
2,16
